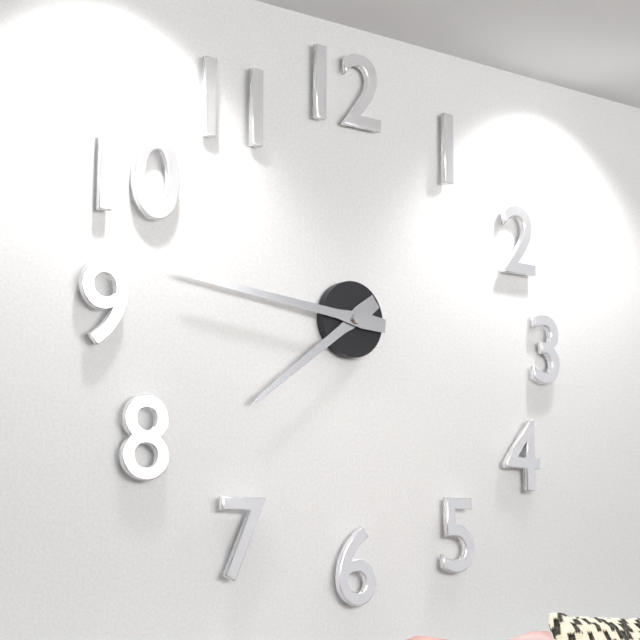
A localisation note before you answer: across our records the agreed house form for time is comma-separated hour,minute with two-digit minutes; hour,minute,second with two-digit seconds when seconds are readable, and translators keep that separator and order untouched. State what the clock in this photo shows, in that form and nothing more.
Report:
7,46
